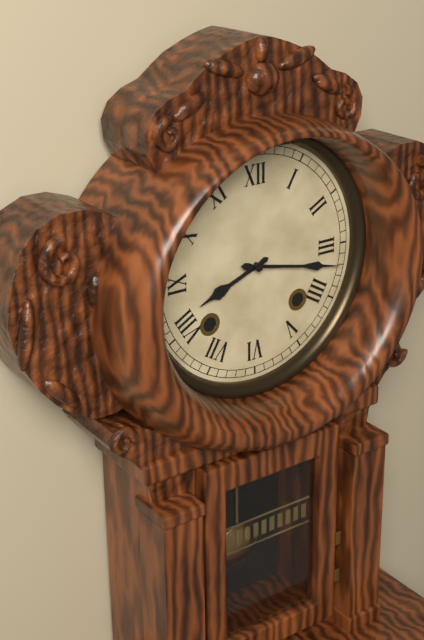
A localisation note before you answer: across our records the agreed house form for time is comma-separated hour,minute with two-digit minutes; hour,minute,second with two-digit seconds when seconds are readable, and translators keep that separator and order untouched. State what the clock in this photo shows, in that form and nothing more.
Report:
8,17
